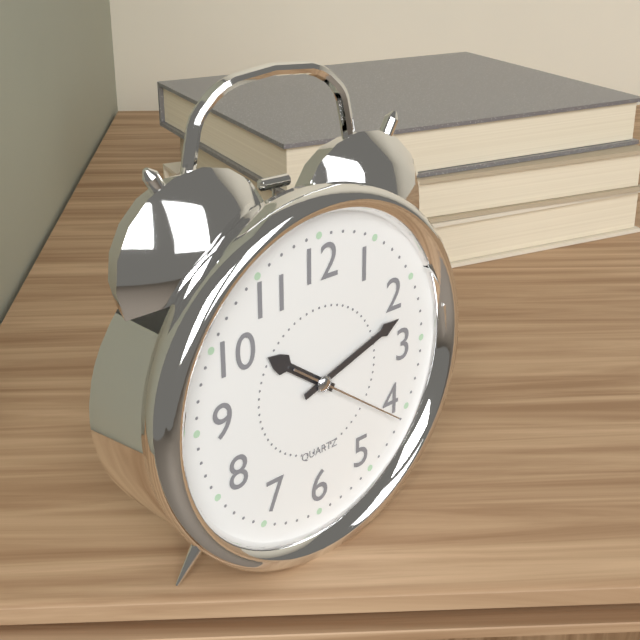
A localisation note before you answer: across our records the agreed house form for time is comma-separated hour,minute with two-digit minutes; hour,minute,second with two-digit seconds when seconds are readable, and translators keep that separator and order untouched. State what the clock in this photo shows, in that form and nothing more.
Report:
10,12,21
